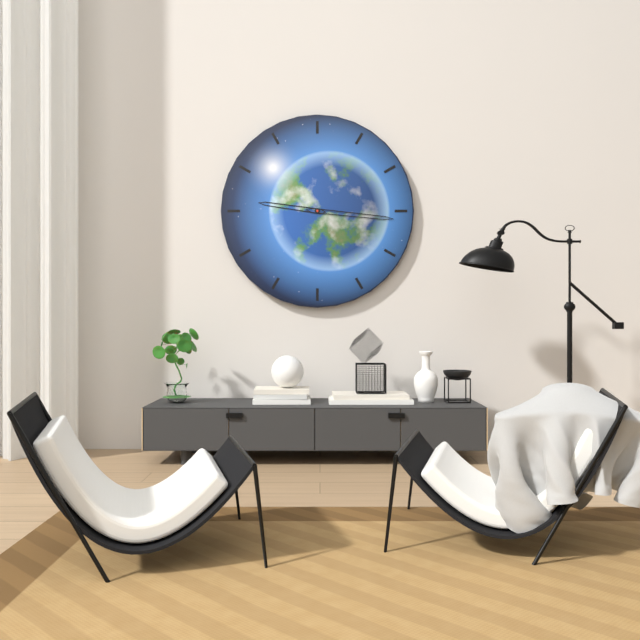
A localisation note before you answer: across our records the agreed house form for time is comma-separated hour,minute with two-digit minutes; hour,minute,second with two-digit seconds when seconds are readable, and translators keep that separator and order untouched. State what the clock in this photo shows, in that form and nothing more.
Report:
9,16
